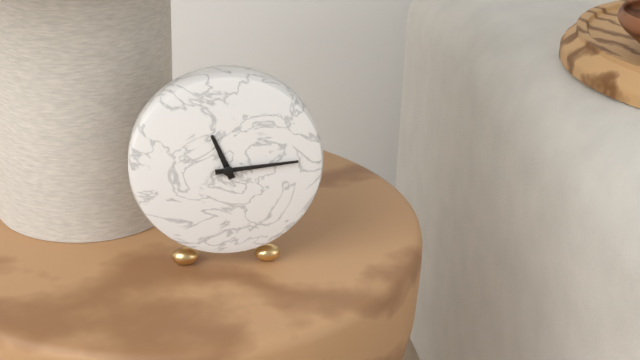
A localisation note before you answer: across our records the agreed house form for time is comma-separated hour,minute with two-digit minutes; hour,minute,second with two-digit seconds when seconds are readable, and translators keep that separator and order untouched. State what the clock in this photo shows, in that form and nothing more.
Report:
11,14
